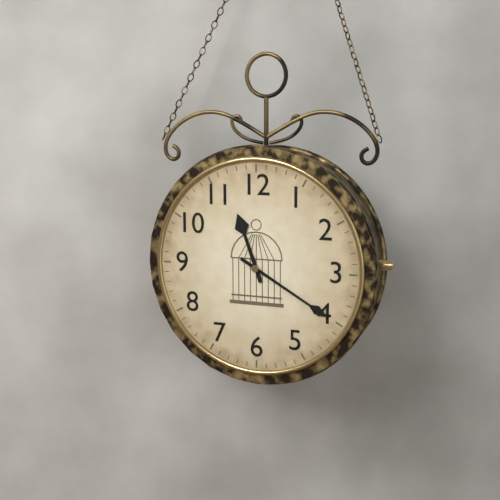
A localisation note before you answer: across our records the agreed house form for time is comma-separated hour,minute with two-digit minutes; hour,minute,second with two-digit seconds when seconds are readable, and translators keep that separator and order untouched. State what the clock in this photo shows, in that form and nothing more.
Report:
11,20
